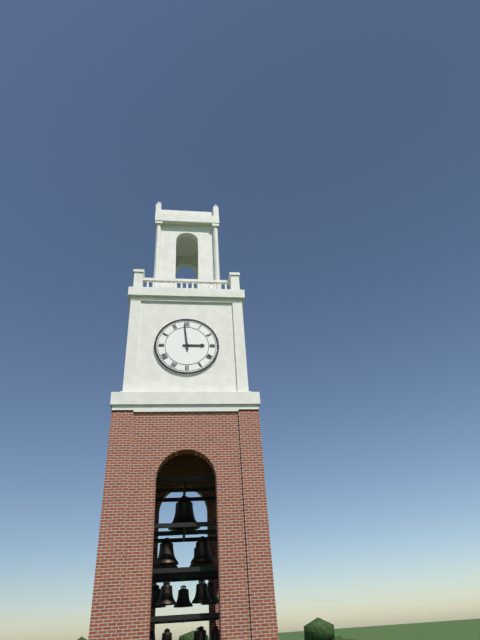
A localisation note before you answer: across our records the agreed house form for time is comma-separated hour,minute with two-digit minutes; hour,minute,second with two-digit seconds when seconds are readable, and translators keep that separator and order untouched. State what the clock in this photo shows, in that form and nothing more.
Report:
2,59
